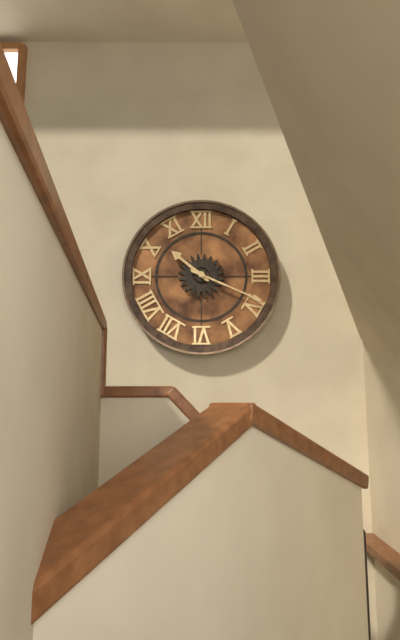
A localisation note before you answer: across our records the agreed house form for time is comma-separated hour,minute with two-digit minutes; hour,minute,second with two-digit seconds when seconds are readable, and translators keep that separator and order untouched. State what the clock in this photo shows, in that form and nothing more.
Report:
10,19
